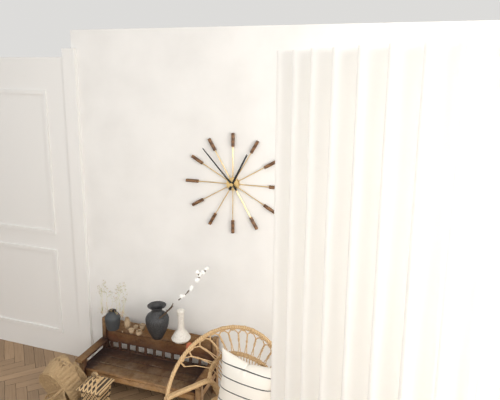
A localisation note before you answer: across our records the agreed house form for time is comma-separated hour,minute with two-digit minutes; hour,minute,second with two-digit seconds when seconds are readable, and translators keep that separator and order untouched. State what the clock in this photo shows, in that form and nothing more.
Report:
12,53
